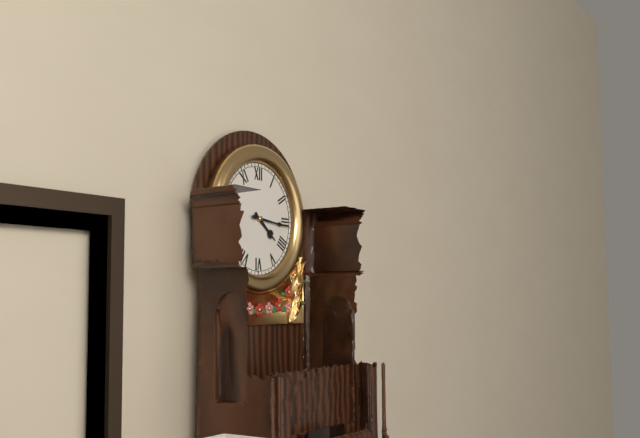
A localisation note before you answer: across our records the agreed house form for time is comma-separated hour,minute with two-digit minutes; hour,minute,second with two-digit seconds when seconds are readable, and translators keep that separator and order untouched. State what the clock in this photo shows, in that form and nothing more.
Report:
4,16
